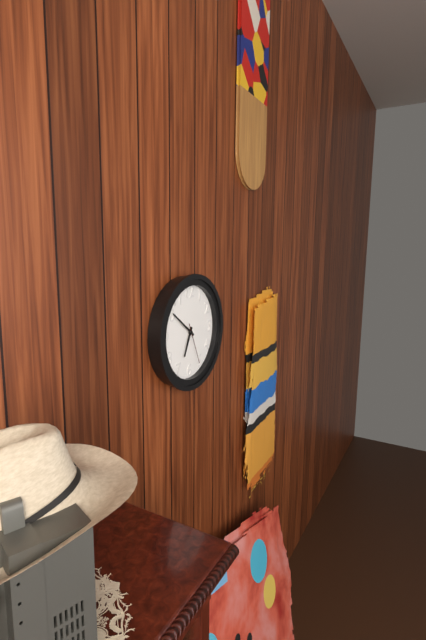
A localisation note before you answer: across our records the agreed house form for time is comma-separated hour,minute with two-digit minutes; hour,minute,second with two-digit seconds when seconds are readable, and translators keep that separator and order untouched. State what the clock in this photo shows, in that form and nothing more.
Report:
6,51
